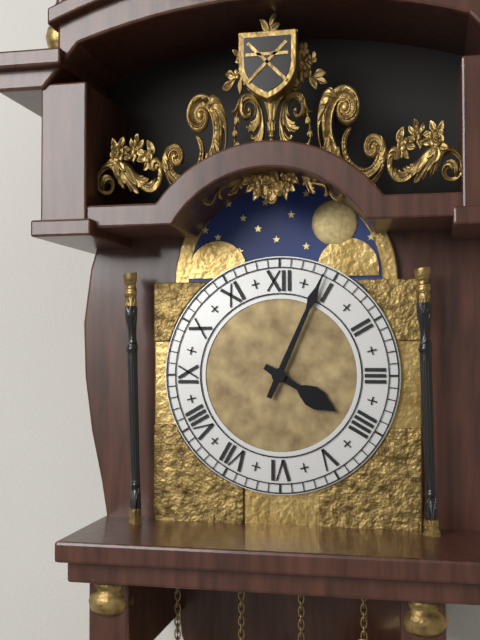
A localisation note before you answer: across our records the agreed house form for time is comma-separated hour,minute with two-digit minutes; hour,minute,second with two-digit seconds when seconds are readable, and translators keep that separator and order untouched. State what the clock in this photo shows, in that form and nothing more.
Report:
4,04
